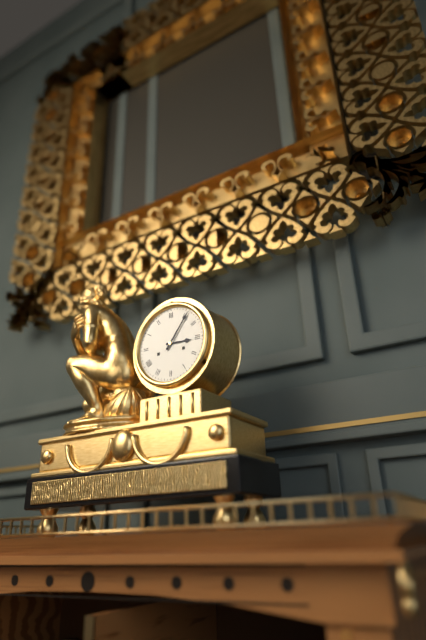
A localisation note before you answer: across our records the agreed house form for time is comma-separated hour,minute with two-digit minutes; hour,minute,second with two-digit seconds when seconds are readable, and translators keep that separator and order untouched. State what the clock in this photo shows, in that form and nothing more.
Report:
3,06
